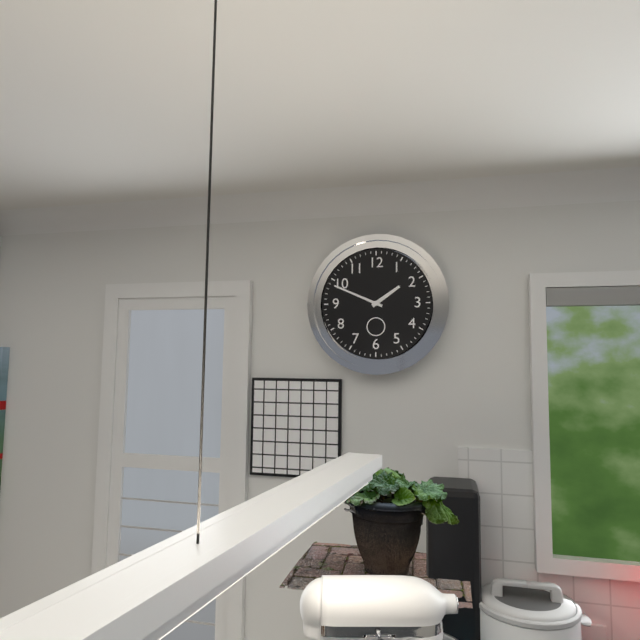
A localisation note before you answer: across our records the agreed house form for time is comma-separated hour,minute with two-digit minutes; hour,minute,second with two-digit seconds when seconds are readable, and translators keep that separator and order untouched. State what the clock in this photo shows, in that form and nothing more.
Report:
1,49
